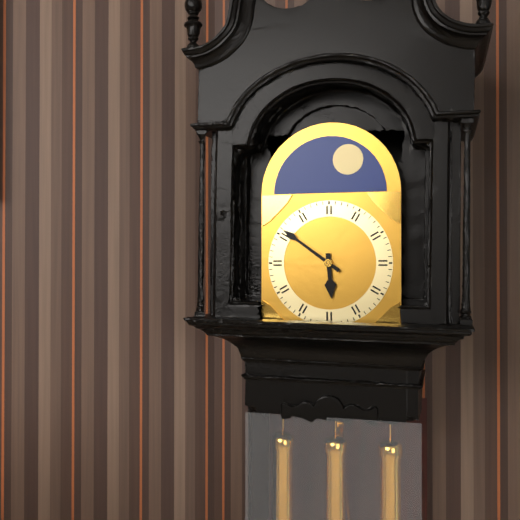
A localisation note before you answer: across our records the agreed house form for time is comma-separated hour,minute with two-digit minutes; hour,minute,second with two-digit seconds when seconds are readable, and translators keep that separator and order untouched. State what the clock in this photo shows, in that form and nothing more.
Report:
5,51
